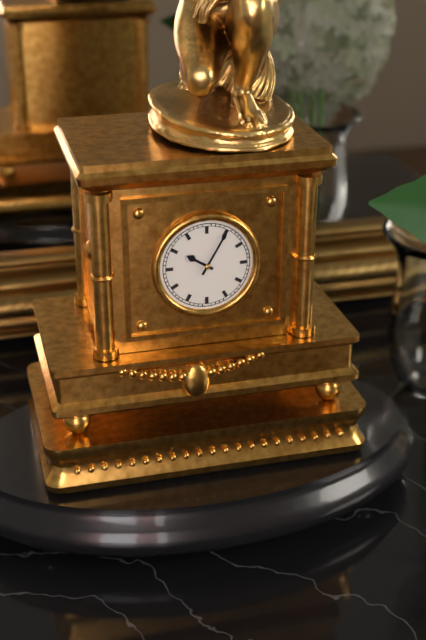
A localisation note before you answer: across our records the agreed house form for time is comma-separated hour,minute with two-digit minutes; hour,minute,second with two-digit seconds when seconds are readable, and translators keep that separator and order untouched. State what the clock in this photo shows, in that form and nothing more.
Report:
10,05
